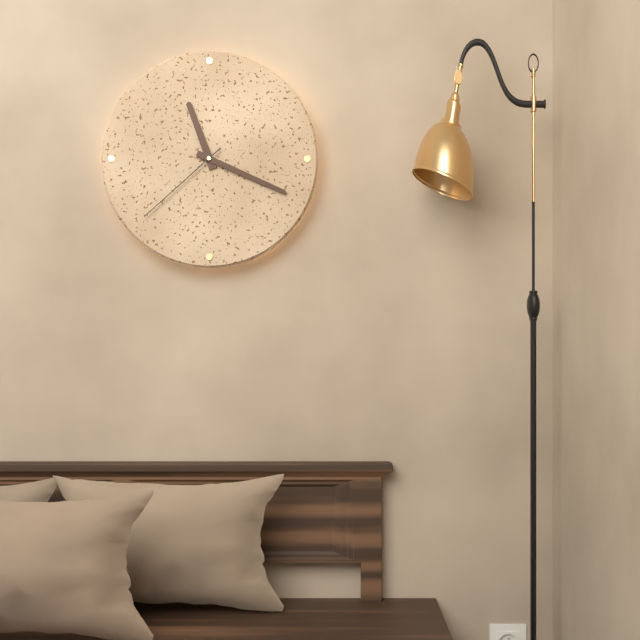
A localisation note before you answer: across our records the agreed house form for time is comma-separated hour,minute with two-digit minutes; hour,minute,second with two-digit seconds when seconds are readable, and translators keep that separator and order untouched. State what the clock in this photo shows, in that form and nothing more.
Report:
11,19,38
